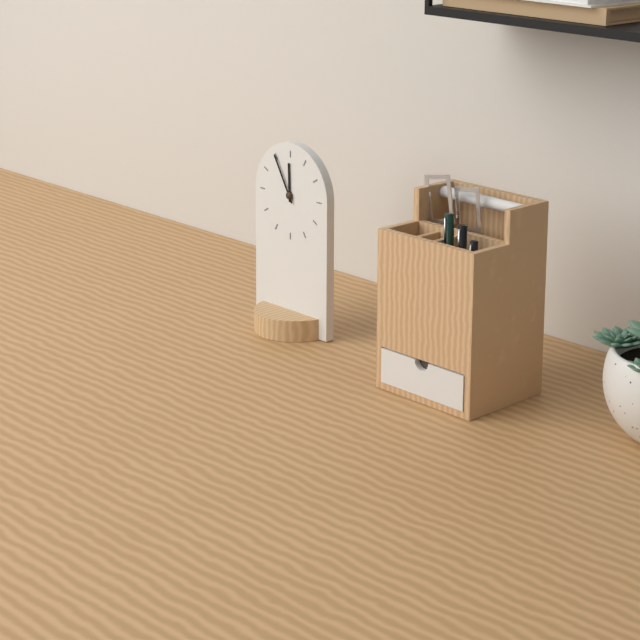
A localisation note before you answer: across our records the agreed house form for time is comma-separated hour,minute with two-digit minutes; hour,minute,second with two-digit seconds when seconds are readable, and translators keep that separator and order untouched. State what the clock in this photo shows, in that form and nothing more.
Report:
11,55
